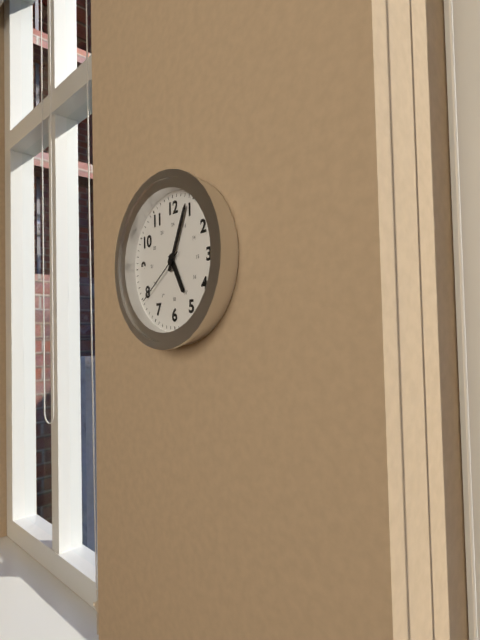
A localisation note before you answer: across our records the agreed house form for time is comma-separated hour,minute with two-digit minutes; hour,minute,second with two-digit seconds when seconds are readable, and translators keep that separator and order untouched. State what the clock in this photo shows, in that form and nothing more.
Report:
5,04,39
